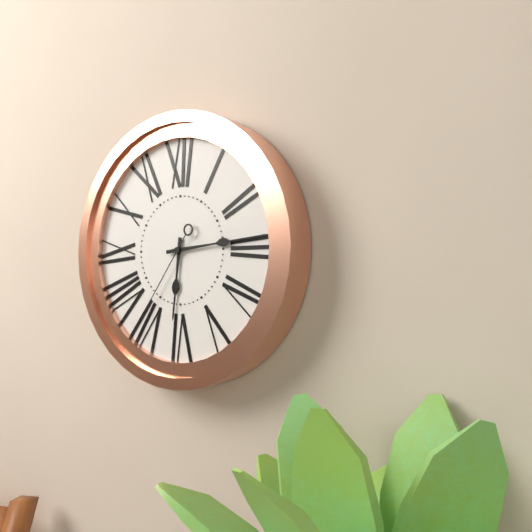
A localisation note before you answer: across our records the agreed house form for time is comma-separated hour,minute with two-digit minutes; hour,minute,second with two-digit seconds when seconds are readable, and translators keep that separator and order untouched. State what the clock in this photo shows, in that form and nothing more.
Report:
6,14,36
